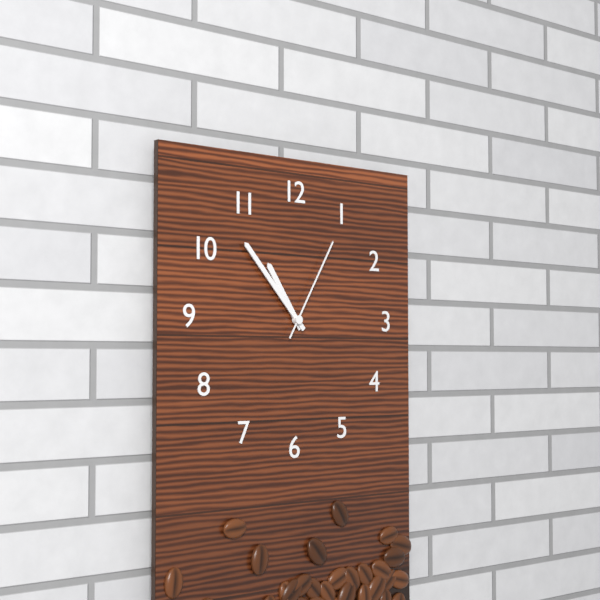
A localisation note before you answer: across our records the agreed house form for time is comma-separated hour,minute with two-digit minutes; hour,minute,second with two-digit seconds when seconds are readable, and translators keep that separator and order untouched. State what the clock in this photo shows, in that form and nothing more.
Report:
10,53,05
